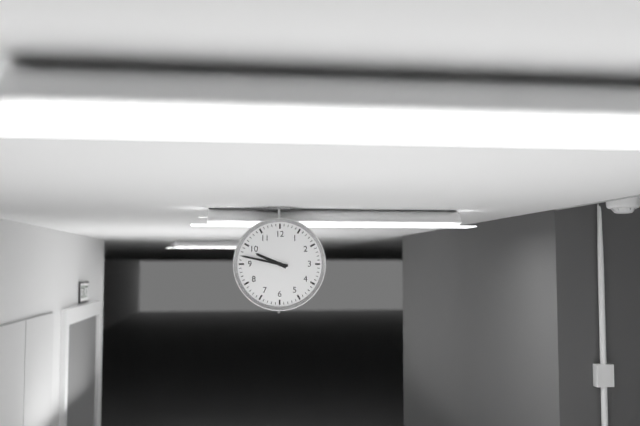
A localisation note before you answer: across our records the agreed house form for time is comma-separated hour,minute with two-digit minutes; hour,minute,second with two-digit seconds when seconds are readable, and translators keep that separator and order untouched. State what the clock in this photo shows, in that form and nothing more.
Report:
9,47
